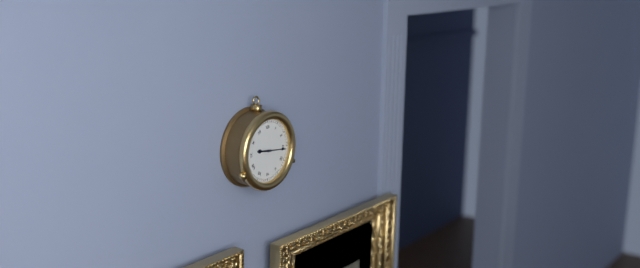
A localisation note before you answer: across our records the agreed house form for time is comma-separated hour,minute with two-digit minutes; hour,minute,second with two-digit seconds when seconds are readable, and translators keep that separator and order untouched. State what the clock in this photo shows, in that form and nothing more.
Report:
9,16
